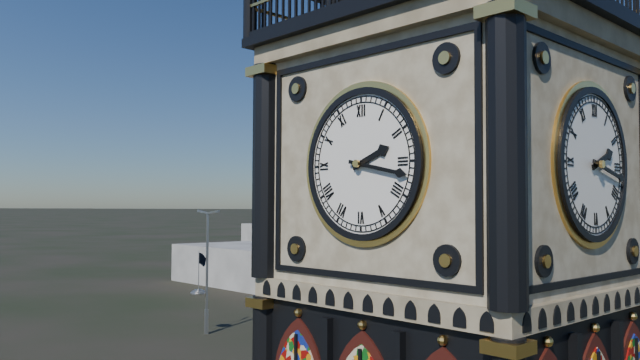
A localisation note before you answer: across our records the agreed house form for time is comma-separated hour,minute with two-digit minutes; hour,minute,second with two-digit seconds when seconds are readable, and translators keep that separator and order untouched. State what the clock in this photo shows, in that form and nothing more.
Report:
2,17
